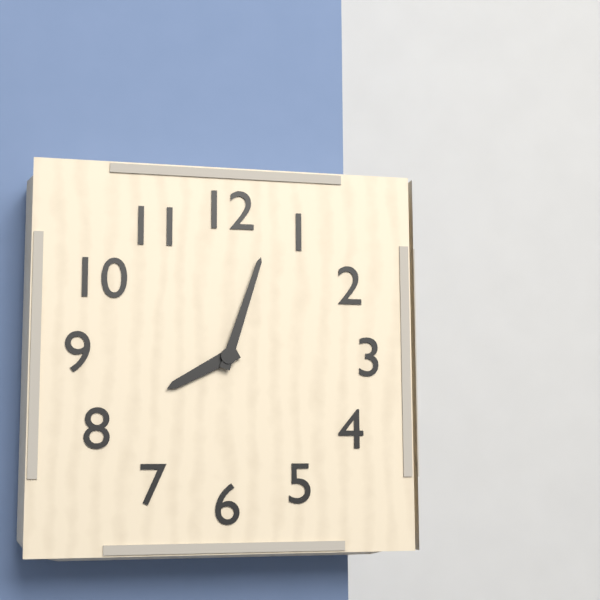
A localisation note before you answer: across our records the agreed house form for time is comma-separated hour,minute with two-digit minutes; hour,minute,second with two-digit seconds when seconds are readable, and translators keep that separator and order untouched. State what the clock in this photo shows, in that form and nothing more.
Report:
8,03
